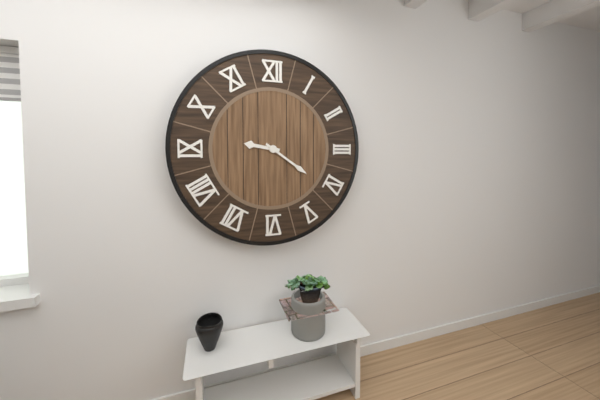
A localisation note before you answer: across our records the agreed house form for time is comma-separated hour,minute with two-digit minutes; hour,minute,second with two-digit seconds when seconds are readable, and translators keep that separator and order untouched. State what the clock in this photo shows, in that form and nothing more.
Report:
9,21
